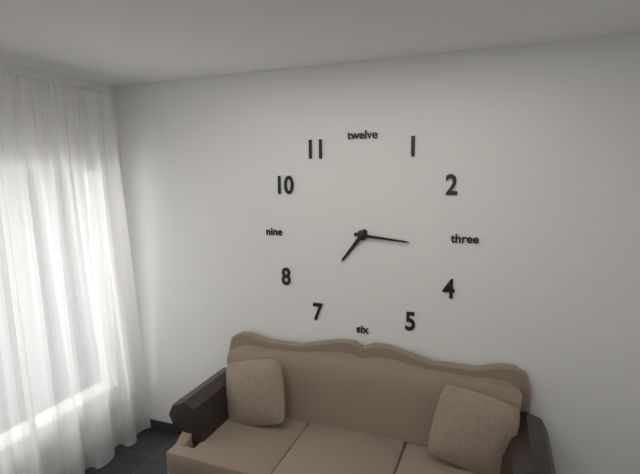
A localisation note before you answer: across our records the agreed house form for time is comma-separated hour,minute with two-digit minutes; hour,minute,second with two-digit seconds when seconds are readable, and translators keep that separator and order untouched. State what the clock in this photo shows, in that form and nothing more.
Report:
7,16
